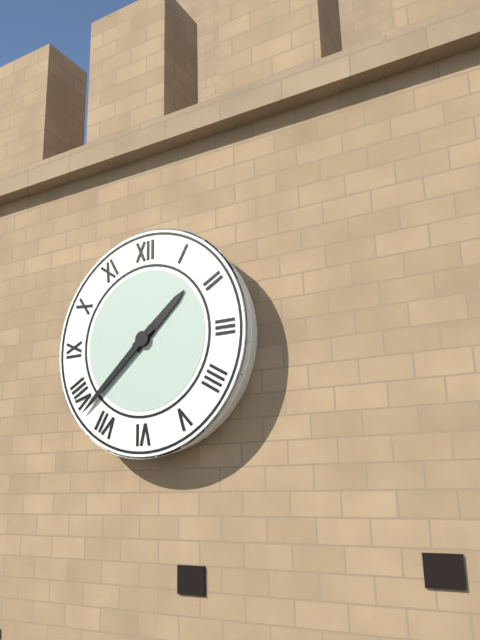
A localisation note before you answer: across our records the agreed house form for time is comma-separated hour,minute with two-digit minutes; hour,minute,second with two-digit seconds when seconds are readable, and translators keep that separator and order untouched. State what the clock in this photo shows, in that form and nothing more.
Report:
1,38
